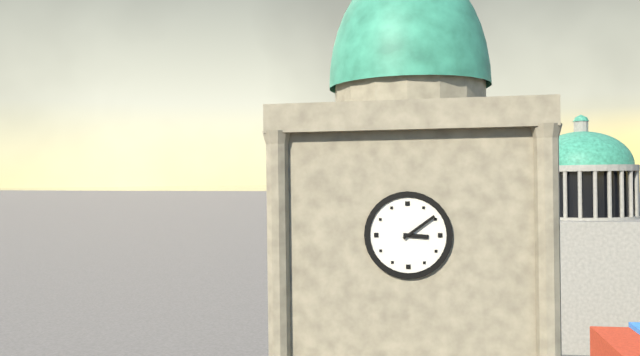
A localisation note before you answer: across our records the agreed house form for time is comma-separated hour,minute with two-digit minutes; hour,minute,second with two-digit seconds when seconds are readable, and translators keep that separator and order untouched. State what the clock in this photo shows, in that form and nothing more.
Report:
3,09
